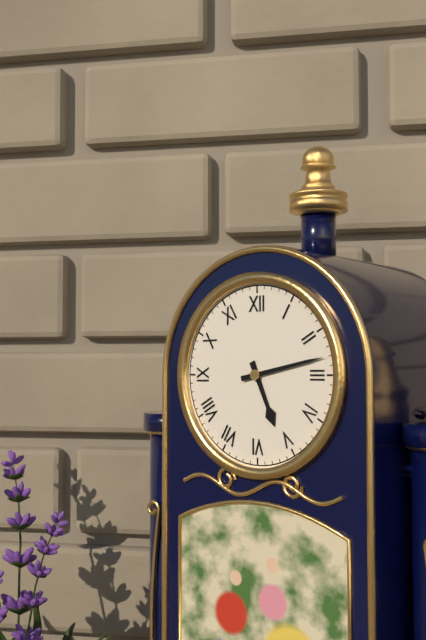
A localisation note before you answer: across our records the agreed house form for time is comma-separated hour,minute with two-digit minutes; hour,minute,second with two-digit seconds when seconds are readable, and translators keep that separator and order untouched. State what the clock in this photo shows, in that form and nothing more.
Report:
5,13
